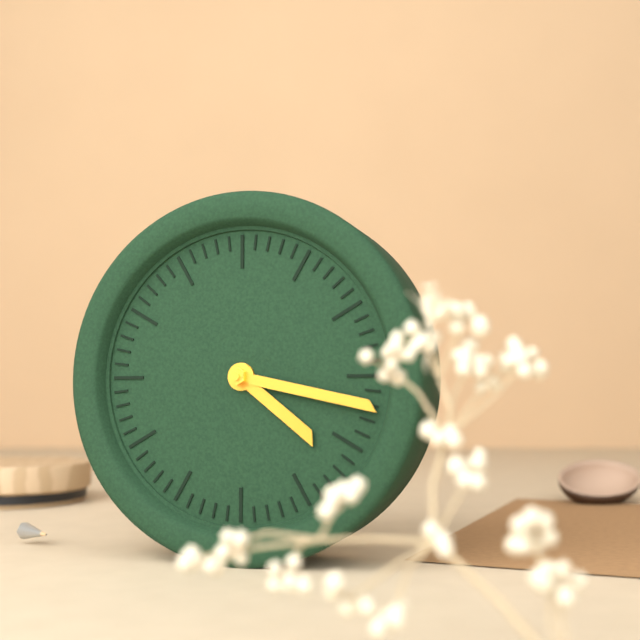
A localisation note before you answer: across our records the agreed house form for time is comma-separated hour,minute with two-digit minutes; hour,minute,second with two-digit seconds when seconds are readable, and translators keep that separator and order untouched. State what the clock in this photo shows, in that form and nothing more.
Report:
4,17
